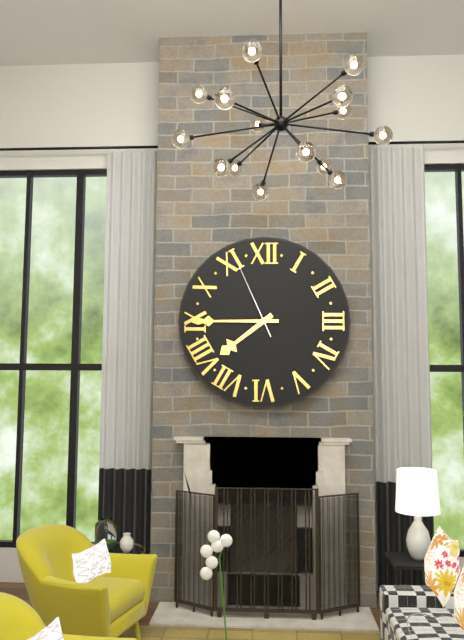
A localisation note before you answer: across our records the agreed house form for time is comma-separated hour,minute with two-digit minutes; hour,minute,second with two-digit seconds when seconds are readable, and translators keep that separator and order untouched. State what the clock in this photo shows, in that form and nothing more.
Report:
7,45,56
